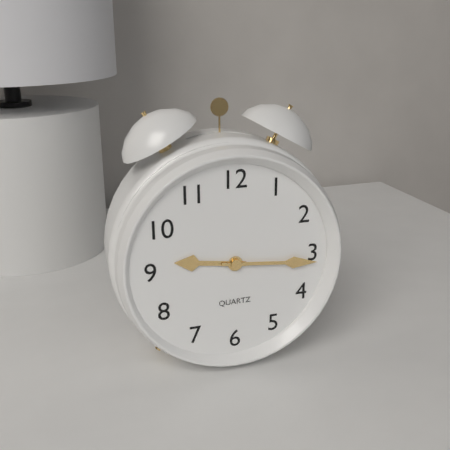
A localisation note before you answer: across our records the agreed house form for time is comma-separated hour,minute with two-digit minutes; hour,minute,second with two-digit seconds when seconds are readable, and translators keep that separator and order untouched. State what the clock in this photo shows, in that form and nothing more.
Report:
9,16
